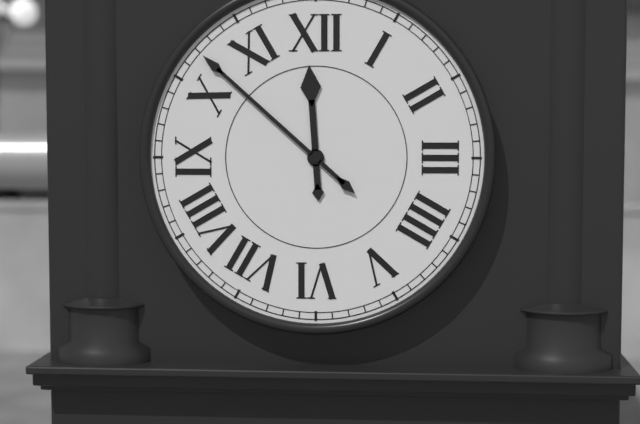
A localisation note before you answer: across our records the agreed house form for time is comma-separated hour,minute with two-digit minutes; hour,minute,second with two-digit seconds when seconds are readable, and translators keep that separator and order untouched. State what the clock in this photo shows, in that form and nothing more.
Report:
11,52
